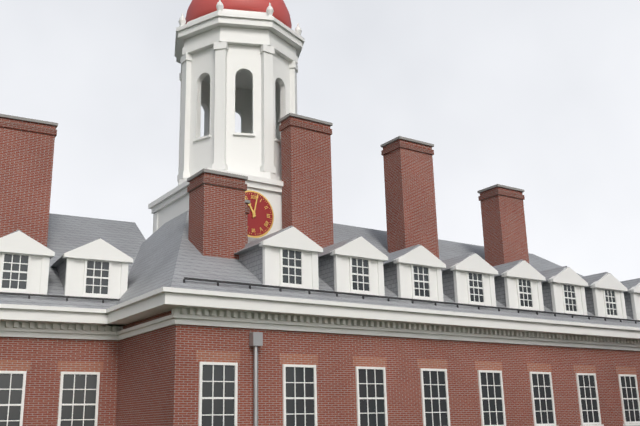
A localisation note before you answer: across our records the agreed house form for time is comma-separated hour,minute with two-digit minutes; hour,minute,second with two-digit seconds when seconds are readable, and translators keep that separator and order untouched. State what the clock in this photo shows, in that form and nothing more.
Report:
11,02
